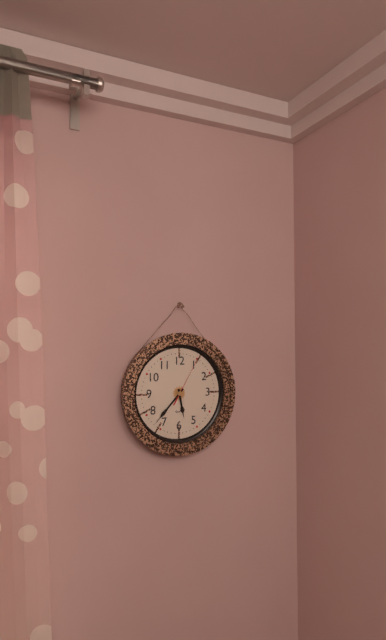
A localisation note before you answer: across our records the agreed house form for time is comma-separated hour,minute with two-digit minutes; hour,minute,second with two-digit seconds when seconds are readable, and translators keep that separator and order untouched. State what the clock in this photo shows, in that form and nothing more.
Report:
5,37
